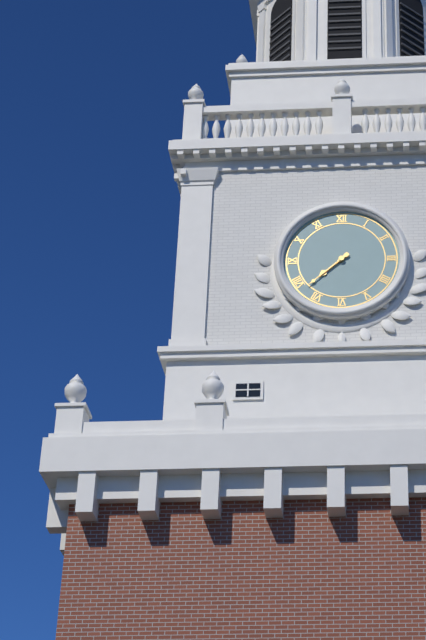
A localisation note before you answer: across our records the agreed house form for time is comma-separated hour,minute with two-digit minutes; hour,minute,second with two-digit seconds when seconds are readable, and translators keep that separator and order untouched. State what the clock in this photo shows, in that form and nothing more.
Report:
7,38
